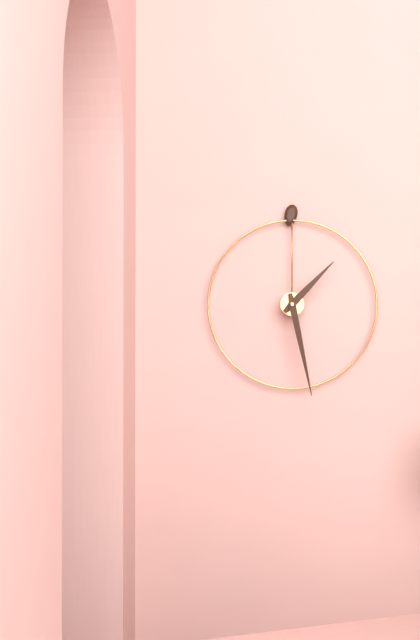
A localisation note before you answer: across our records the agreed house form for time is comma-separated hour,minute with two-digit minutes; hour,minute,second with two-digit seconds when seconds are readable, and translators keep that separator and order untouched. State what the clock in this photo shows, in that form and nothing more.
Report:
1,28
